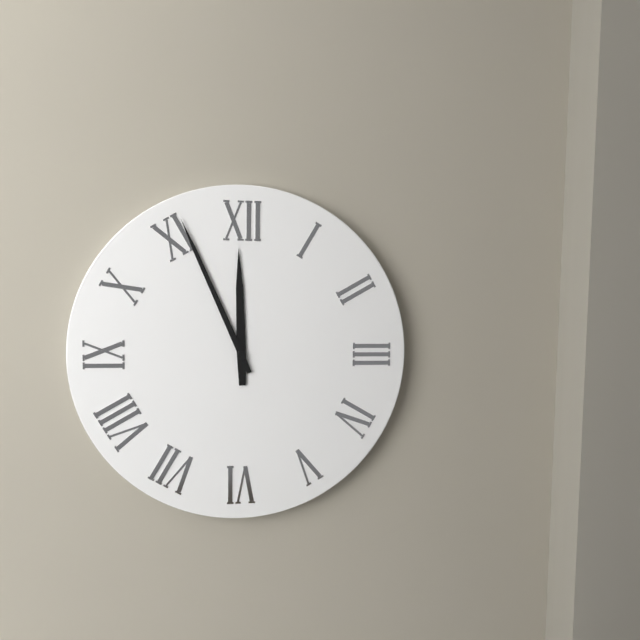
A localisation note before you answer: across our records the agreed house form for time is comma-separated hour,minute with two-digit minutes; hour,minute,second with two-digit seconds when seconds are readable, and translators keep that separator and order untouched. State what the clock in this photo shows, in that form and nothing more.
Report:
11,56
